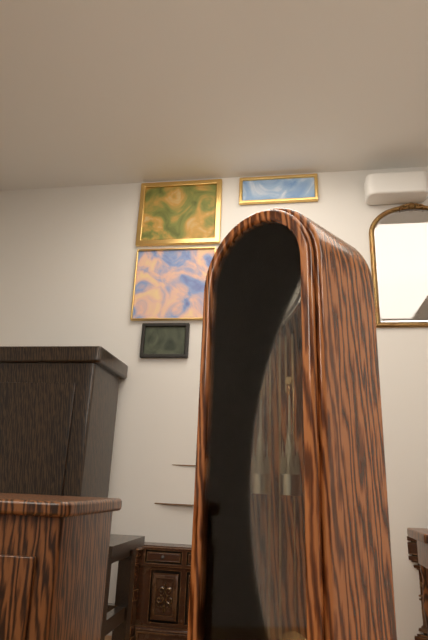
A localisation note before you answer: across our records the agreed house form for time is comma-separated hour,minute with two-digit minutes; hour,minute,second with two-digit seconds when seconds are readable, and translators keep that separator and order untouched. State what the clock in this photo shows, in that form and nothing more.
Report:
3,07
